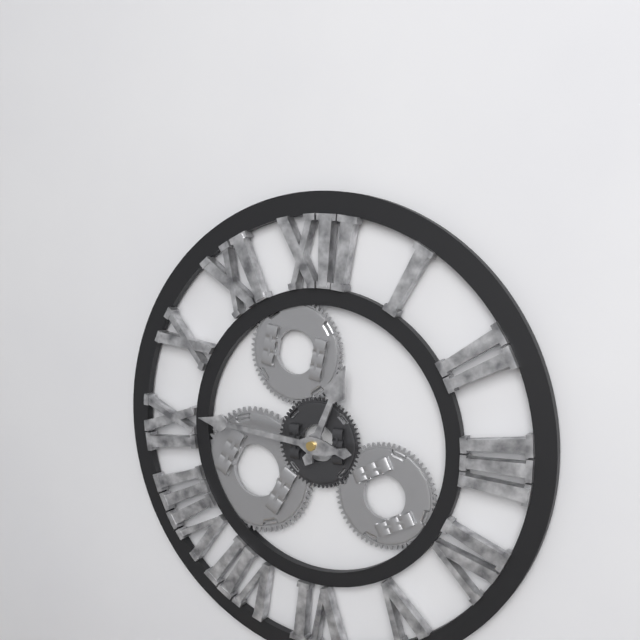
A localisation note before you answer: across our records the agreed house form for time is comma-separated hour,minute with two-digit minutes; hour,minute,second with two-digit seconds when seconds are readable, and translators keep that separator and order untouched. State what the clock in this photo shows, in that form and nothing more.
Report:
12,46
